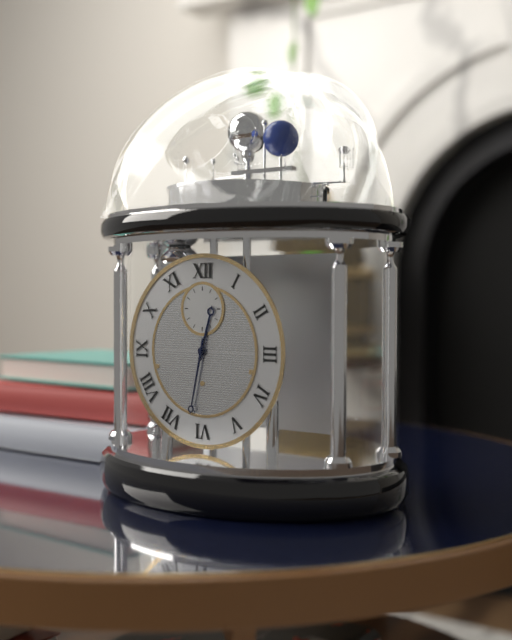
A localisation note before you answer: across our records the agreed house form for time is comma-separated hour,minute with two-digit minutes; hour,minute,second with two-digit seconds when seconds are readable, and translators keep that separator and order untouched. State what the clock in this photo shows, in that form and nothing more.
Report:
12,32
